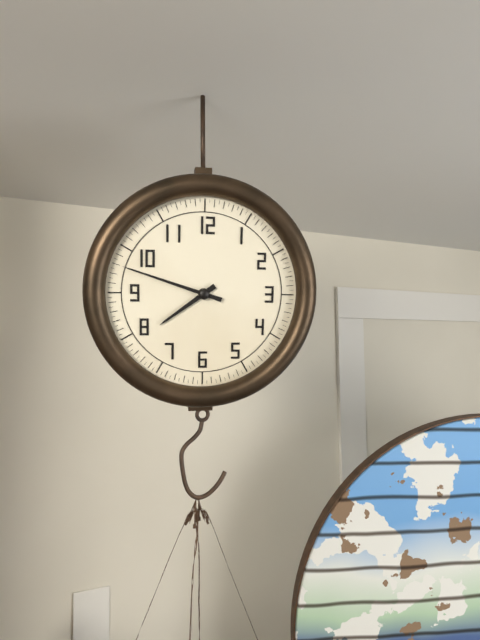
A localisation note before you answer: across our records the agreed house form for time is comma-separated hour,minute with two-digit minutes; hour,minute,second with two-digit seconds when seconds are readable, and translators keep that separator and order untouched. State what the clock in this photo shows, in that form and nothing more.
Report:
7,48
